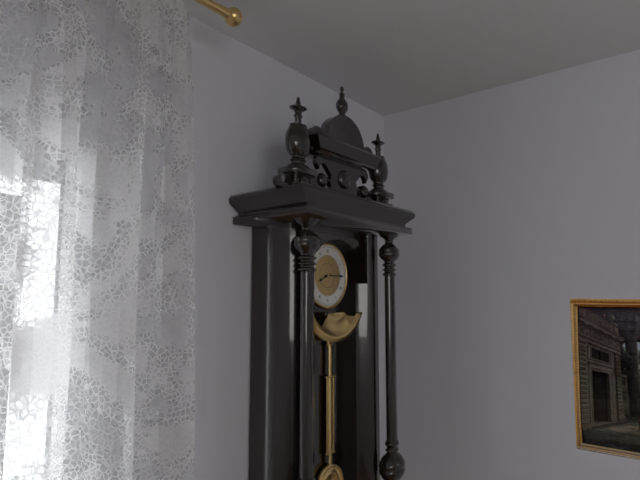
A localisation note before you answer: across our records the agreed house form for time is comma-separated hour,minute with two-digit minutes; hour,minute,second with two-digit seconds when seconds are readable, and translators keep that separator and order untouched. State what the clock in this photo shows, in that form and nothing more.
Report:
8,15
